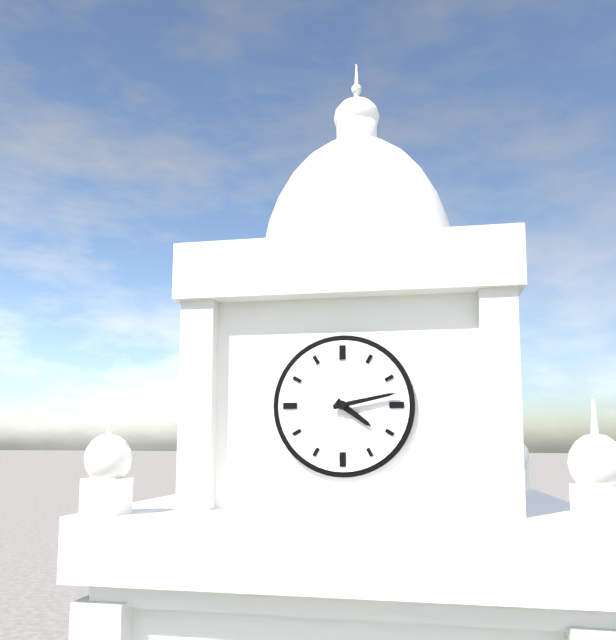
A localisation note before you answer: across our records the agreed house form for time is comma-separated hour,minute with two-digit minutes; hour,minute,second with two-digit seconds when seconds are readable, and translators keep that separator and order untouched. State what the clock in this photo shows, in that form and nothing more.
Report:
4,13
